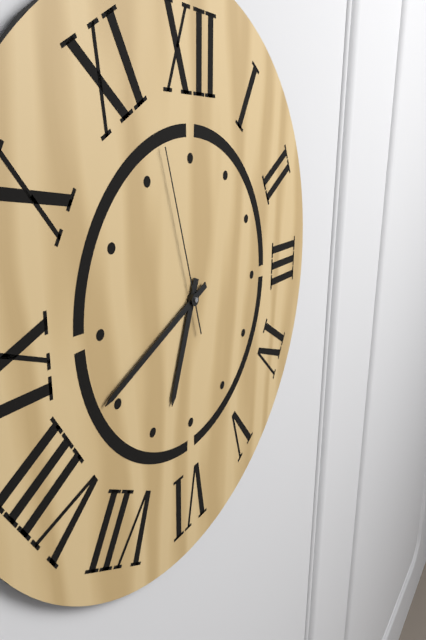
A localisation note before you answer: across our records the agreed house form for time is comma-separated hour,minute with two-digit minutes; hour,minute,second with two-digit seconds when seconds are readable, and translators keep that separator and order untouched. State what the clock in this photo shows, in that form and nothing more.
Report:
6,41,57
